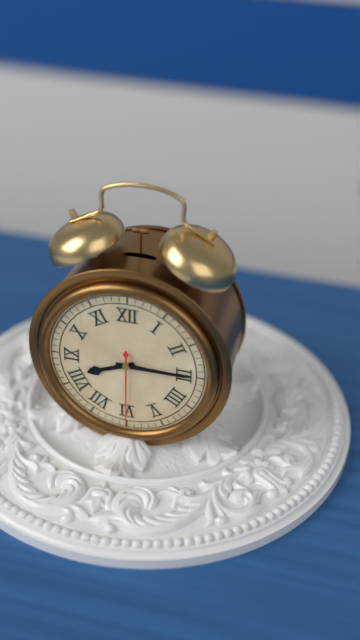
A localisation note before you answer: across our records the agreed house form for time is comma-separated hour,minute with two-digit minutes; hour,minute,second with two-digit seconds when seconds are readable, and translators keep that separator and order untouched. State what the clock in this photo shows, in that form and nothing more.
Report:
8,15,30
